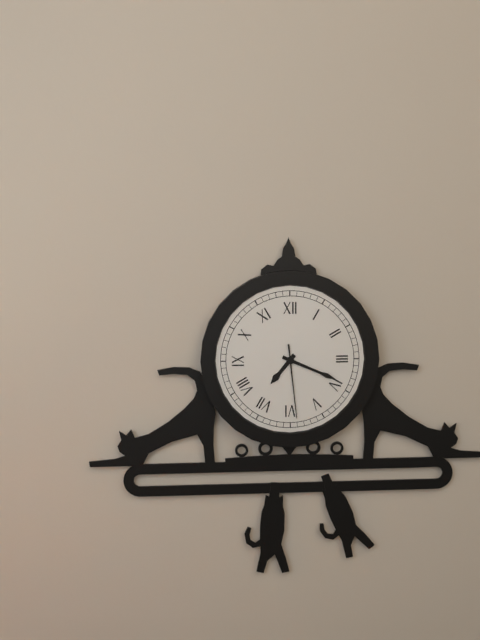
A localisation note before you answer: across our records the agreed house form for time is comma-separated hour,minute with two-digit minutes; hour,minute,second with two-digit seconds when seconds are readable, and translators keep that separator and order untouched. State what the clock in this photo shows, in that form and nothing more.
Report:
7,19,29
